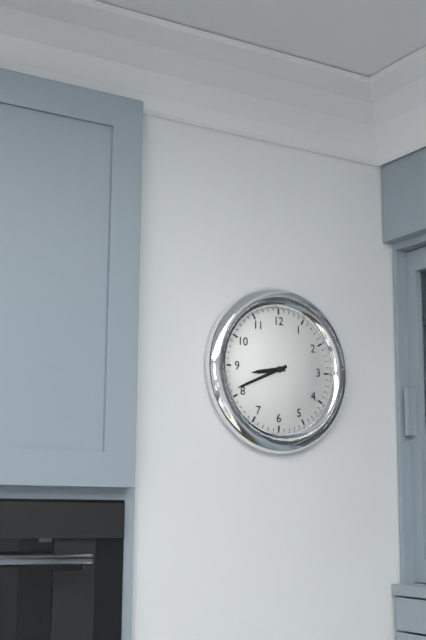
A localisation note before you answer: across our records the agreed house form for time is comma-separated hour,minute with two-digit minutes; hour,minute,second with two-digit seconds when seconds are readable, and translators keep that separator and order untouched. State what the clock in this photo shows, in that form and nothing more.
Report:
8,41
